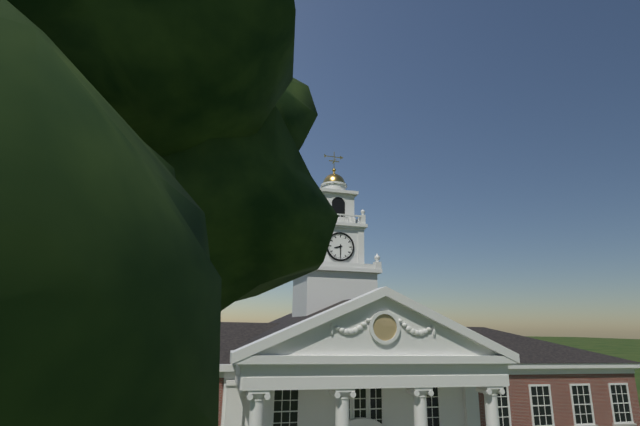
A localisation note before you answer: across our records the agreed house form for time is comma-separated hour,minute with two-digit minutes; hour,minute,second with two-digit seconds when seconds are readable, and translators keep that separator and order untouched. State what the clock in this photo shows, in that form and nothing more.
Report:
8,30
